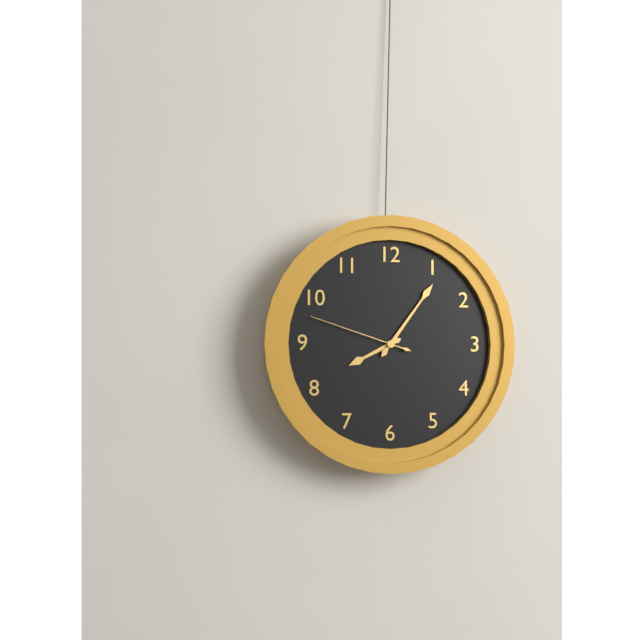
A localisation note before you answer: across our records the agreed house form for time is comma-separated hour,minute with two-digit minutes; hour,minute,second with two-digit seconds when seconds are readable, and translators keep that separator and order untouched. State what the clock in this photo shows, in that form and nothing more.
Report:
8,06,48
